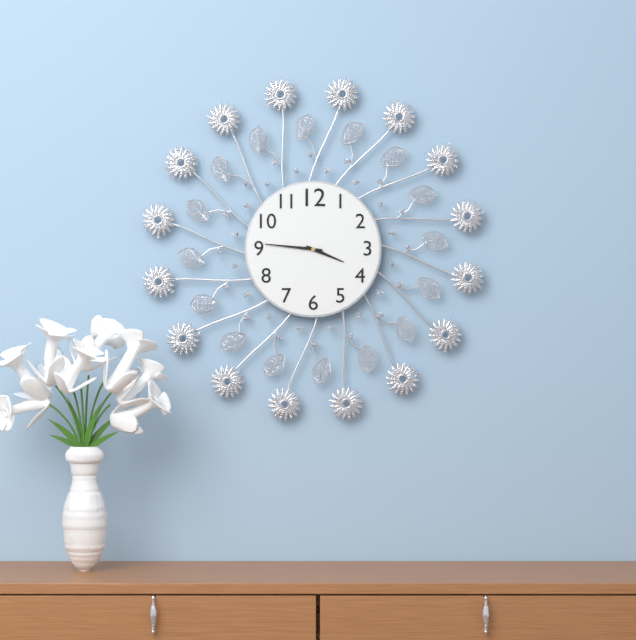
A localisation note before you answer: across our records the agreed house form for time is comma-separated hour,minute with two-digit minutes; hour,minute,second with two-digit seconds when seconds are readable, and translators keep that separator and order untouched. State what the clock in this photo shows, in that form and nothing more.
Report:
3,46
